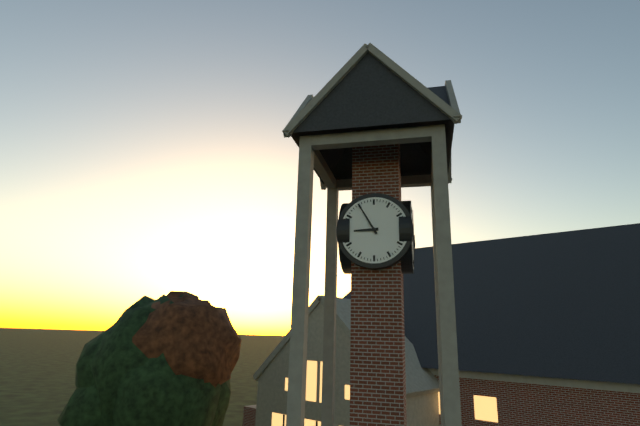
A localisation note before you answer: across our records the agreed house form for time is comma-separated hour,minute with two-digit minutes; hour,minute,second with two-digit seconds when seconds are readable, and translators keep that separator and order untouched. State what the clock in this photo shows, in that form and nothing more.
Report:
8,55
